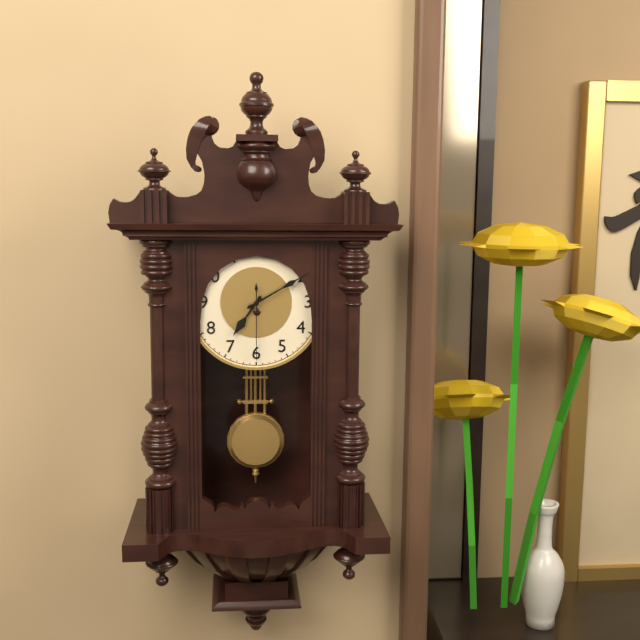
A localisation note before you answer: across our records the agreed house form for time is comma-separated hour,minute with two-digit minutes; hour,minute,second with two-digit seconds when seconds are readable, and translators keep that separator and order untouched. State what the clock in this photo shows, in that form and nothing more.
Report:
7,10,30
